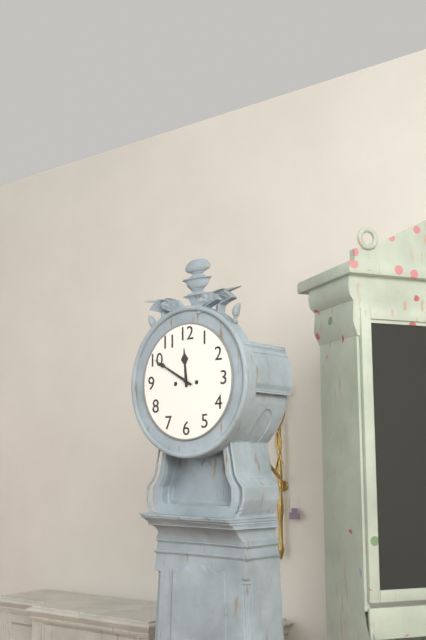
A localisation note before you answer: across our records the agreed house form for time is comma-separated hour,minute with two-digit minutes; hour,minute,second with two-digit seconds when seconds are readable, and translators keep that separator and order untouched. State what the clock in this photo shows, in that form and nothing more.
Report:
11,50
